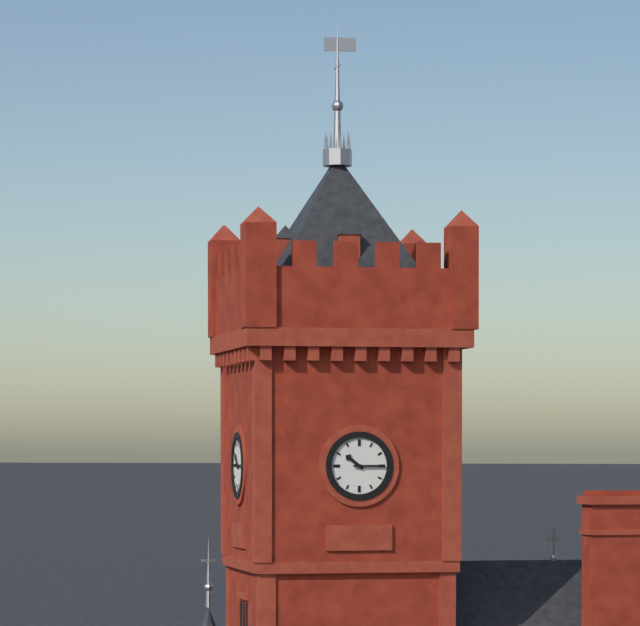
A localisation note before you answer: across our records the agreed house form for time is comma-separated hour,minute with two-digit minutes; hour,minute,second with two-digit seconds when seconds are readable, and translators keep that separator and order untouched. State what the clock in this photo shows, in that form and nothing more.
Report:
10,15
